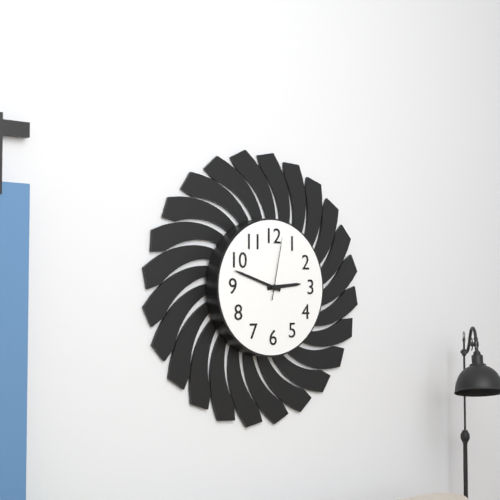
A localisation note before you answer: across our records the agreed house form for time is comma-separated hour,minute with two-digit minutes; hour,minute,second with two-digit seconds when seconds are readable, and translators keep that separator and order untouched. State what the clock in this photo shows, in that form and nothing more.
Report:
2,48,02
